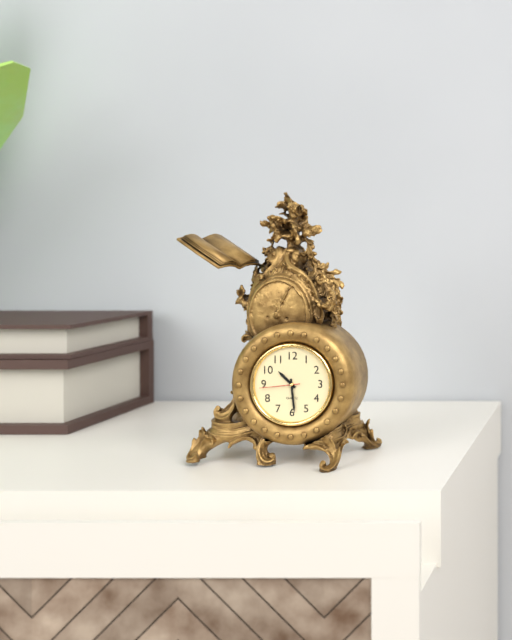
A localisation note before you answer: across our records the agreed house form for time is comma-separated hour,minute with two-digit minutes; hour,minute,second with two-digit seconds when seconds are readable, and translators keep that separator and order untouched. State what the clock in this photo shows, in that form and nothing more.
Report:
10,29
